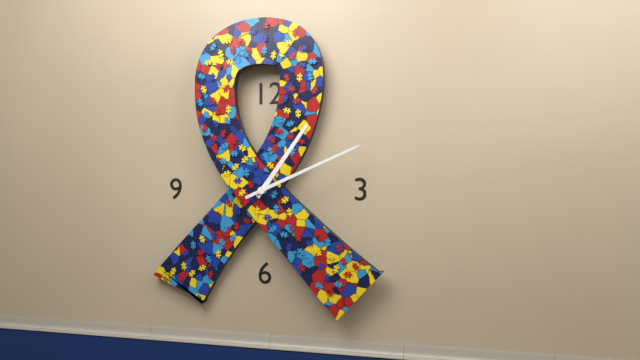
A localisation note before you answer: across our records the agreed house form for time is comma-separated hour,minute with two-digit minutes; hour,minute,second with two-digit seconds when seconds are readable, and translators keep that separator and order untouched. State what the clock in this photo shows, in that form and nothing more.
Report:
1,11
